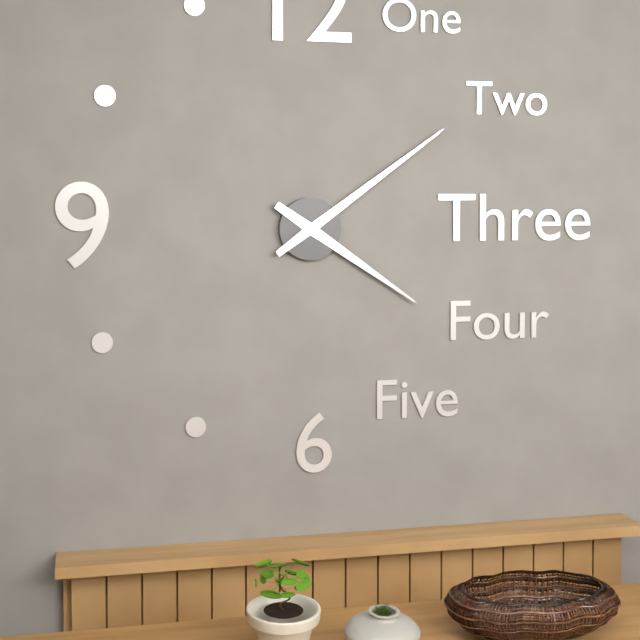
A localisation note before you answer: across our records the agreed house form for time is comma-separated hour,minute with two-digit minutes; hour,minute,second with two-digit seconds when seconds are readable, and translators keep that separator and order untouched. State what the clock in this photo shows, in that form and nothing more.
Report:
4,09
